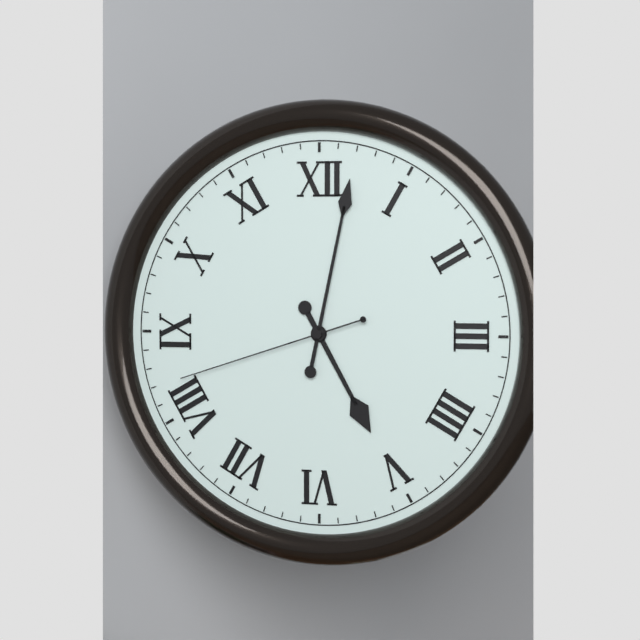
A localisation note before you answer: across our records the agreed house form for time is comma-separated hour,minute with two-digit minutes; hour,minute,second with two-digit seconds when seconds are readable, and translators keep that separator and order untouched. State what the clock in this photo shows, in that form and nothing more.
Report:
5,02,42
